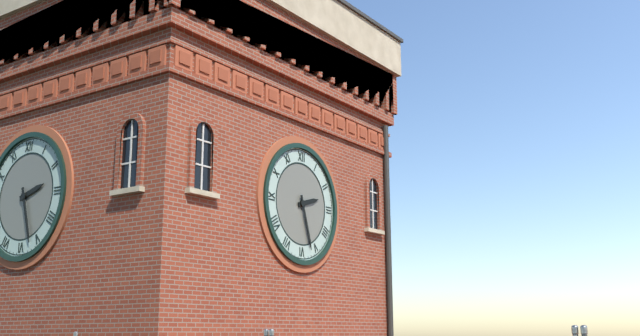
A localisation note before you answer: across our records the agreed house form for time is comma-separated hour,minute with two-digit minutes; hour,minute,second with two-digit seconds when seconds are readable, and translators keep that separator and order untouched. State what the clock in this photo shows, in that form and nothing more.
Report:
2,27
